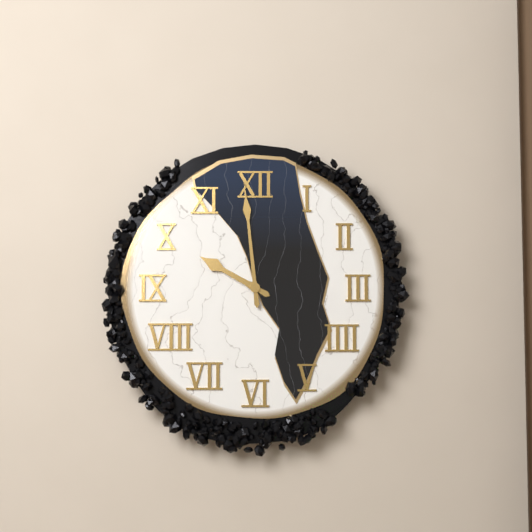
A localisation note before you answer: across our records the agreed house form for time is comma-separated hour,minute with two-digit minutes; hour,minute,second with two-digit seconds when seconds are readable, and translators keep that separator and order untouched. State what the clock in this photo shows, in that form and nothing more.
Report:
9,59
